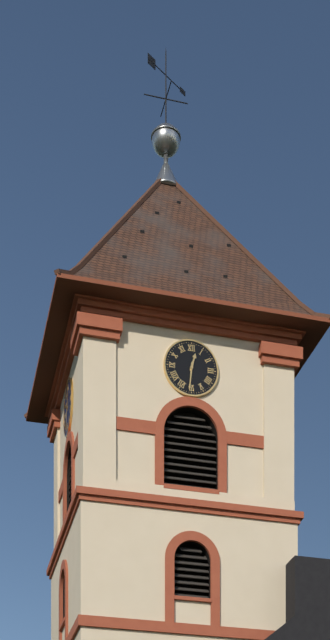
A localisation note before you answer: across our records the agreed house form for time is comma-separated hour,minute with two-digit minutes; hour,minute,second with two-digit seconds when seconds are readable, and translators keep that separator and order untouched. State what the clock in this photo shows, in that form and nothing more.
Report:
12,31
